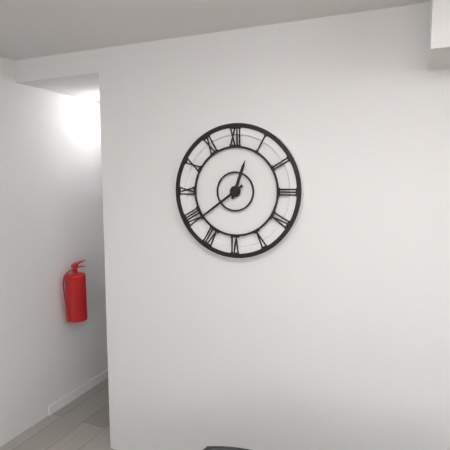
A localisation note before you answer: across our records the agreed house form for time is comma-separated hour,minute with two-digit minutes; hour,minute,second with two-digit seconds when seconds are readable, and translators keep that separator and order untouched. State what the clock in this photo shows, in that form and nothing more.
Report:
12,39
